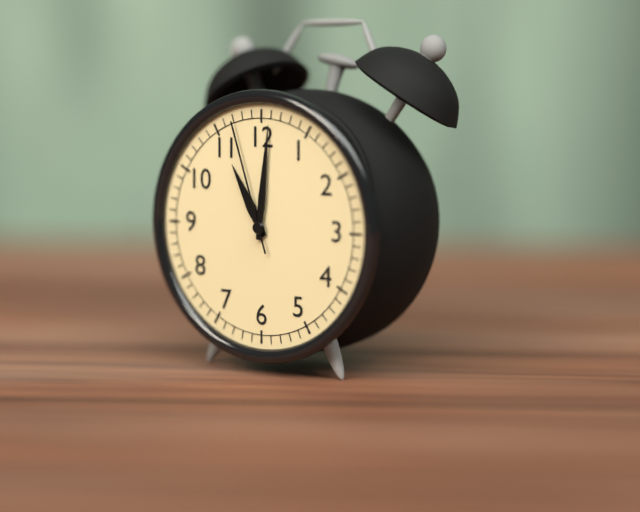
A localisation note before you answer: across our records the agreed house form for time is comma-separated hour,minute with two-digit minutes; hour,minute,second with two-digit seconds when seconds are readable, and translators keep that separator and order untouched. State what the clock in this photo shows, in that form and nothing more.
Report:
11,01,57
